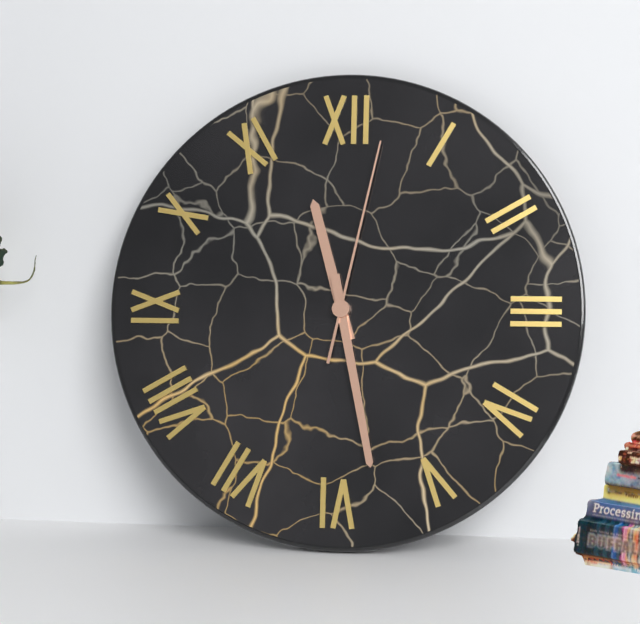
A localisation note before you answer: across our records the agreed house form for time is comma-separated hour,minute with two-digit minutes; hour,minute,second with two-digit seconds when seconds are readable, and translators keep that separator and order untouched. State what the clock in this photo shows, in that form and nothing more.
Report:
11,28,02
